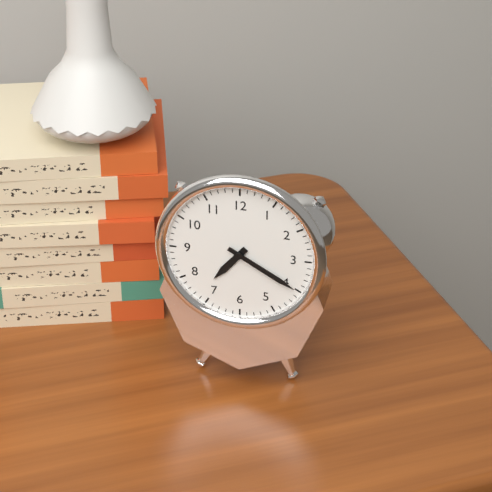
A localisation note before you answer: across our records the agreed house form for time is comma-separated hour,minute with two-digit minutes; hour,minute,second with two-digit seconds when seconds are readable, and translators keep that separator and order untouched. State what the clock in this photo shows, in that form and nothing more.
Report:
7,20
